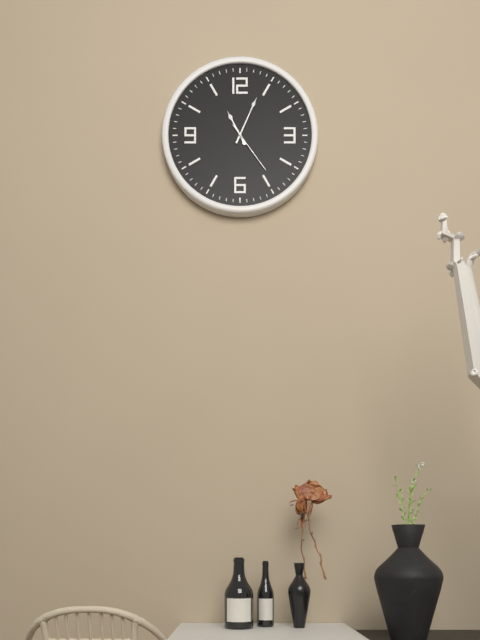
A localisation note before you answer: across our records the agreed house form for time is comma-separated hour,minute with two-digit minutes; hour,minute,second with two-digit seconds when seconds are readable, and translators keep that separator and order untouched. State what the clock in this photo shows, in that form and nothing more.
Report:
11,04,24
